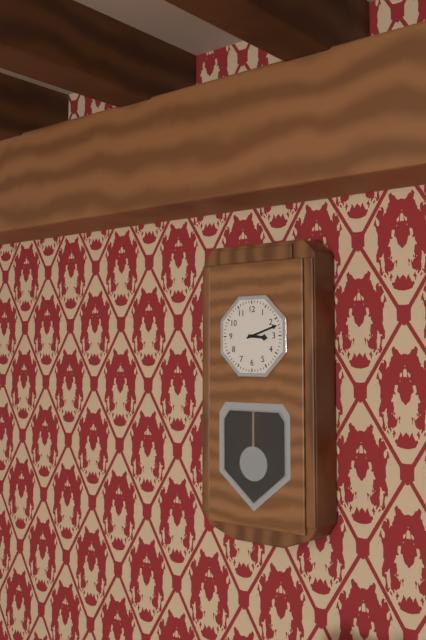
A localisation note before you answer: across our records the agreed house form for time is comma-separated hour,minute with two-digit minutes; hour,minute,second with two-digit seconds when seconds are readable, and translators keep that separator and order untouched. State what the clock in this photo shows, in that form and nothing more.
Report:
3,12
